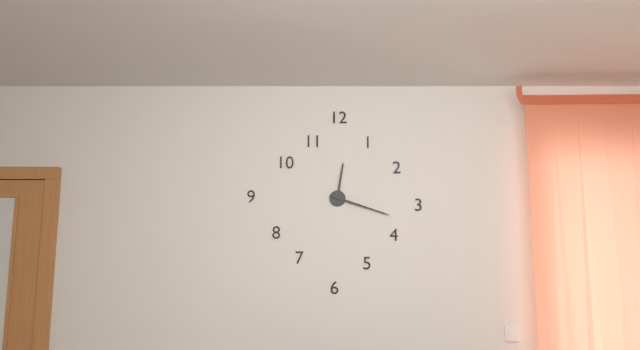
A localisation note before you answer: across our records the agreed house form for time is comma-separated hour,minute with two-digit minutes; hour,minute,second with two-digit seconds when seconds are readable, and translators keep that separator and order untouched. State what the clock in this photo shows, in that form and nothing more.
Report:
12,18
